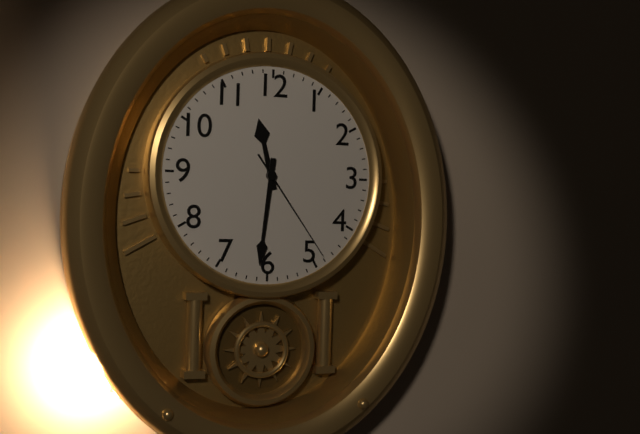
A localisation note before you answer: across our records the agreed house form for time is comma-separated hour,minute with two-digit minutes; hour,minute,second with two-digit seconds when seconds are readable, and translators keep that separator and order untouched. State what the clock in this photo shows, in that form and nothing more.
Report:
11,31,24
